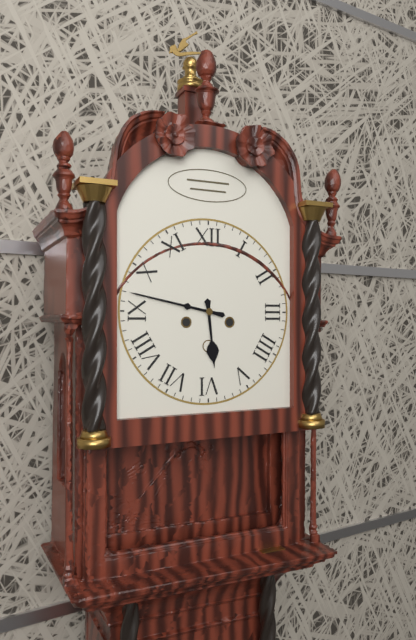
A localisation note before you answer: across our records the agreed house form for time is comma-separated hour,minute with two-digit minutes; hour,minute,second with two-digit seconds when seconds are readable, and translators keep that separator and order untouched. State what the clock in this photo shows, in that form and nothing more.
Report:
5,47
